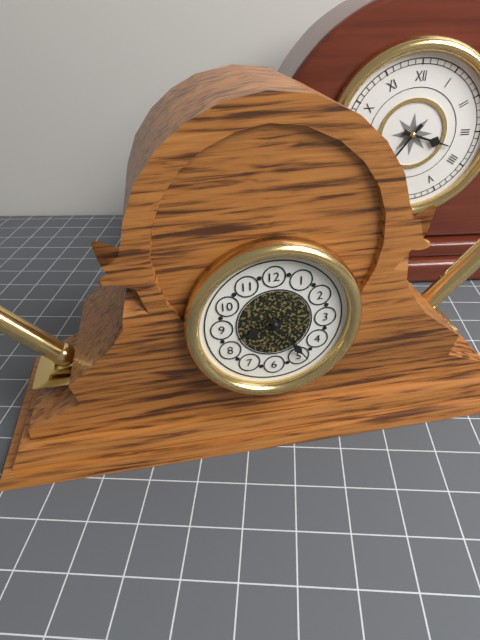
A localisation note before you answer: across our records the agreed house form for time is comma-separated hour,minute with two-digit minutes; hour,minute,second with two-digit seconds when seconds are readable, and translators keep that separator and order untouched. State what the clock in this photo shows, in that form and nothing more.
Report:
8,24
